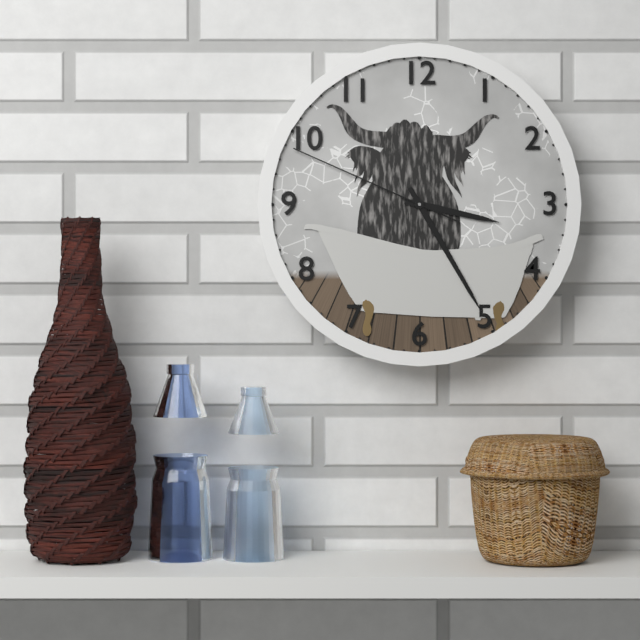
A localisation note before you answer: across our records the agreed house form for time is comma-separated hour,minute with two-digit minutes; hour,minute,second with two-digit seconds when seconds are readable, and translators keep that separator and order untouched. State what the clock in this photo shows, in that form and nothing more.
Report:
3,25,49
